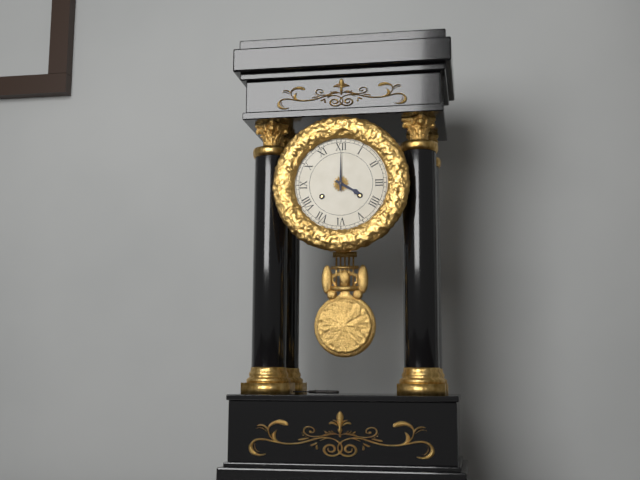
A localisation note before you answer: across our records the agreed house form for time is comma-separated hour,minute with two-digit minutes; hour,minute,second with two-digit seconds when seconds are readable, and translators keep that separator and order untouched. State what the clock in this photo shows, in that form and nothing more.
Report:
4,00
